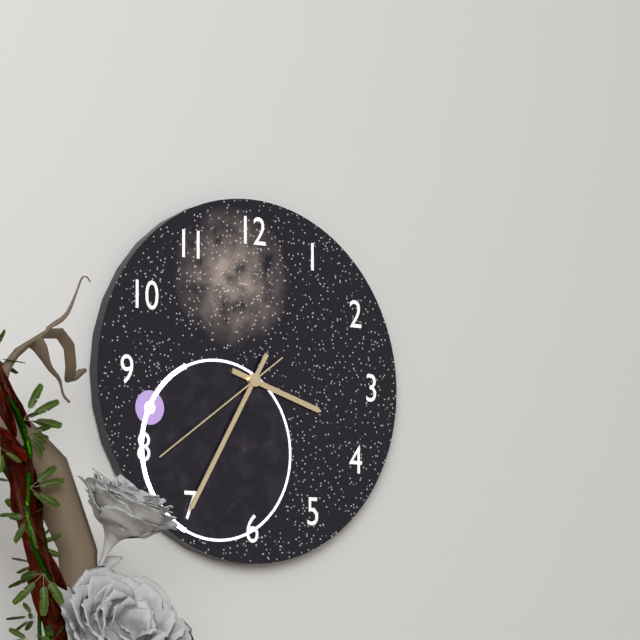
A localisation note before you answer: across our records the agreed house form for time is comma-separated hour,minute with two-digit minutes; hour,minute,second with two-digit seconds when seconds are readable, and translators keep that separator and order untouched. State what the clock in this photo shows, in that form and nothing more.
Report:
3,35,39
